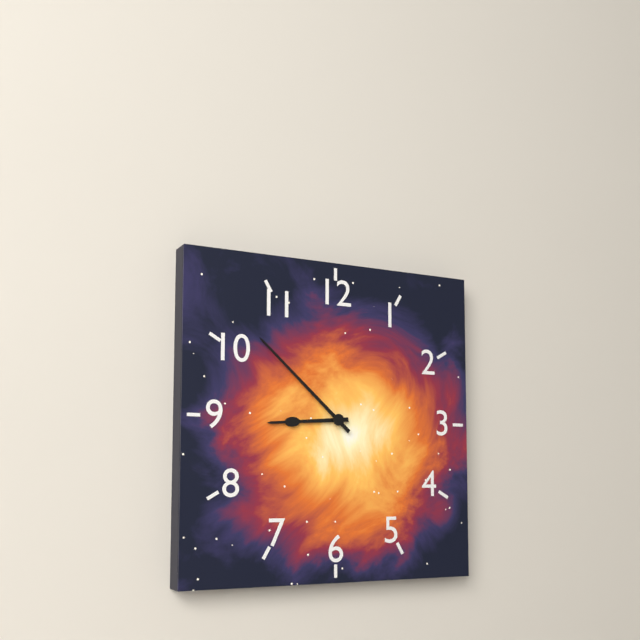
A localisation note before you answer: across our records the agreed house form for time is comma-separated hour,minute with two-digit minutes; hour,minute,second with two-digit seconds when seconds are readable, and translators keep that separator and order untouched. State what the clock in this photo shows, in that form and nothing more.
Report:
8,52
